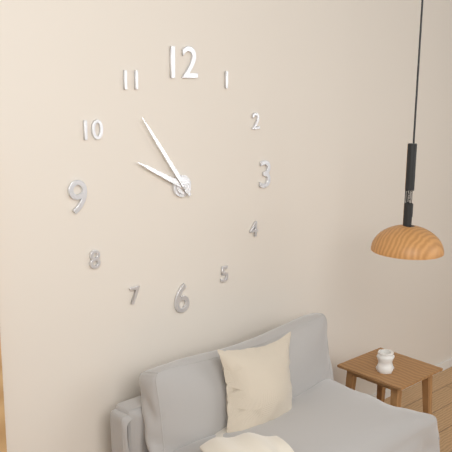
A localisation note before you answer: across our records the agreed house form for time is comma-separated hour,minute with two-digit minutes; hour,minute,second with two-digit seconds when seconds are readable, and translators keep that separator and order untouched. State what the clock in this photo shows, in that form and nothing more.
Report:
9,54
